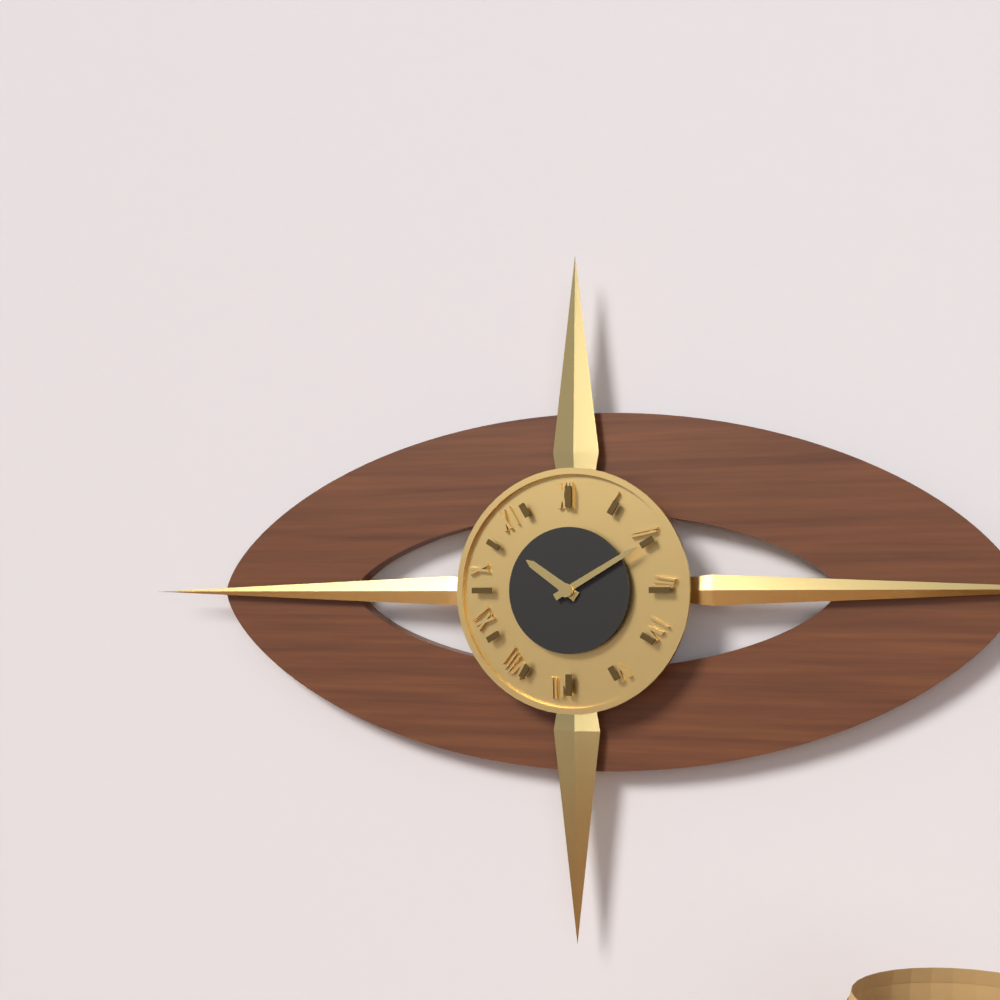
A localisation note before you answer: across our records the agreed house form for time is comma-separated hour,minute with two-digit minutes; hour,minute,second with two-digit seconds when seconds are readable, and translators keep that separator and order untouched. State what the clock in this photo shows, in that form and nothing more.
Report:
10,10
